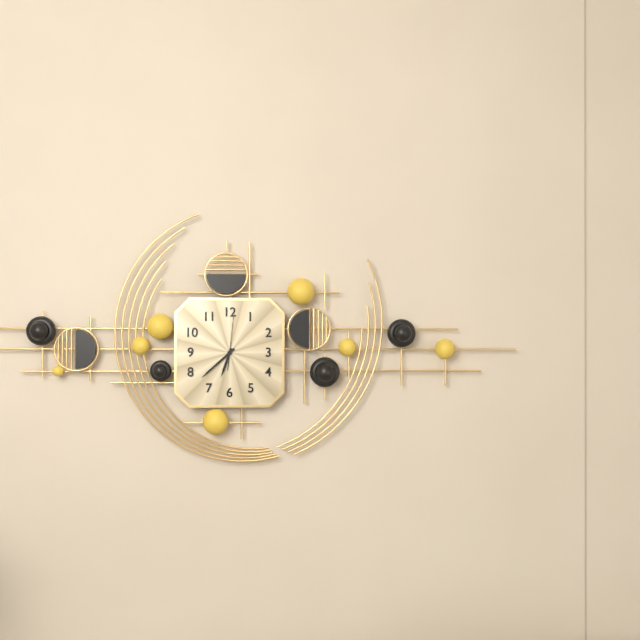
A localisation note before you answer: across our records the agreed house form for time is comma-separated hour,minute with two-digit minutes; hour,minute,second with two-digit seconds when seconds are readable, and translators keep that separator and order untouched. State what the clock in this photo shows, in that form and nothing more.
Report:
6,38
